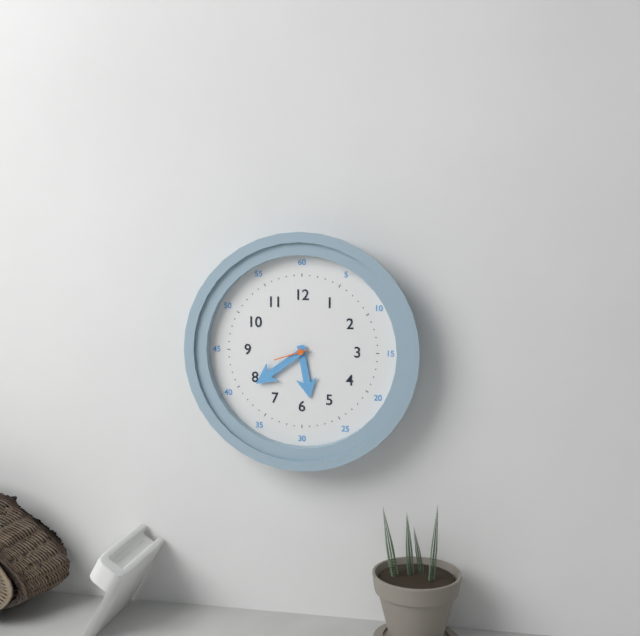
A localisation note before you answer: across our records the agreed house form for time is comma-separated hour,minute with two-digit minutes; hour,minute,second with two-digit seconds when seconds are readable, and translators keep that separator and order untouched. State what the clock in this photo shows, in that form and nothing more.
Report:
5,39
